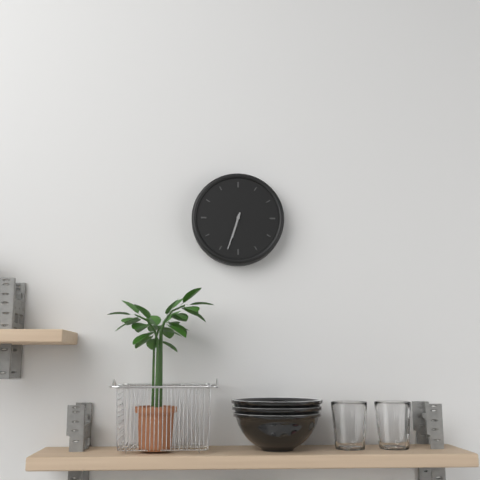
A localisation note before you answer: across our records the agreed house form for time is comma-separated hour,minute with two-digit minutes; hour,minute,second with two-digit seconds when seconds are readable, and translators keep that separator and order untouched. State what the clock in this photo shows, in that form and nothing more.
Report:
6,33
